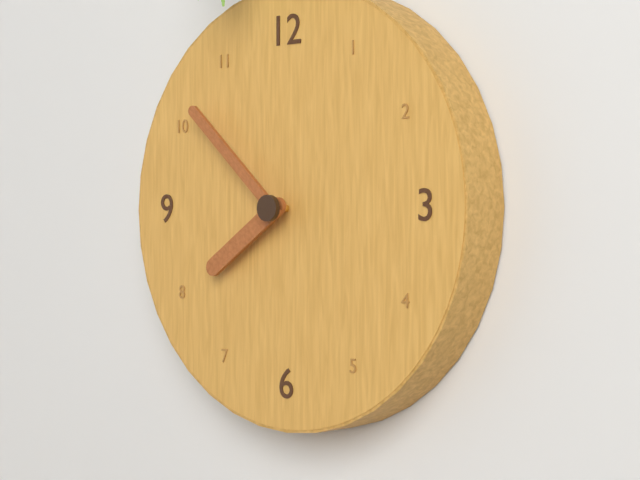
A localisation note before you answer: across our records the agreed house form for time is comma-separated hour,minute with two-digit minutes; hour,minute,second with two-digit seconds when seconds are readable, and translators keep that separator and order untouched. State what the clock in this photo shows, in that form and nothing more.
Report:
7,52
